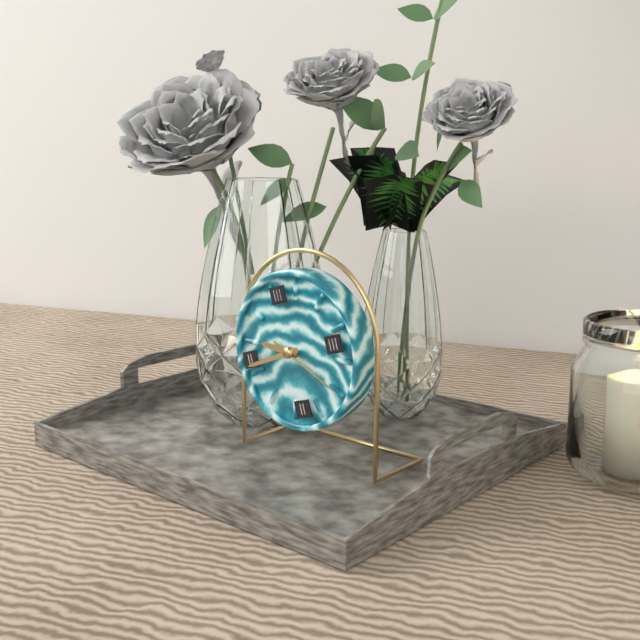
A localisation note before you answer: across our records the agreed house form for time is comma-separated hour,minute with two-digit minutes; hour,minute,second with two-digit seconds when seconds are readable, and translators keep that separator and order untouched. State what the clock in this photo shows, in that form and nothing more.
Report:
9,44,22
